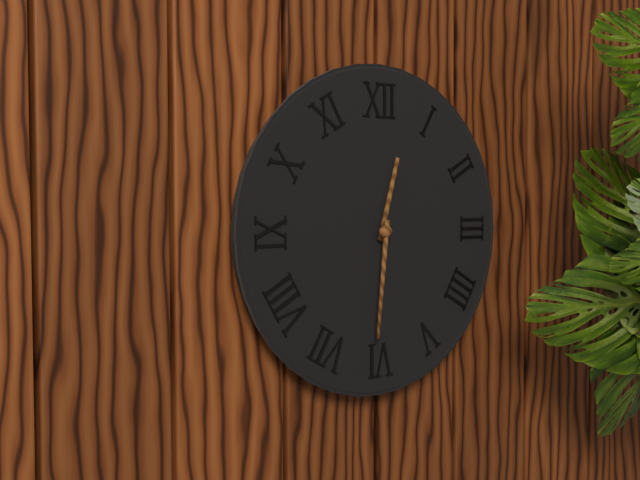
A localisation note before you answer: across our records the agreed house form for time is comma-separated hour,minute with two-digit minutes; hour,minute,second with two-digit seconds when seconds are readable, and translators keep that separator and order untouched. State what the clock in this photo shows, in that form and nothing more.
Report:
12,31
